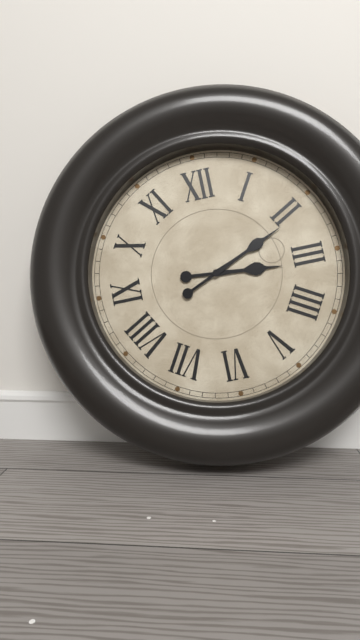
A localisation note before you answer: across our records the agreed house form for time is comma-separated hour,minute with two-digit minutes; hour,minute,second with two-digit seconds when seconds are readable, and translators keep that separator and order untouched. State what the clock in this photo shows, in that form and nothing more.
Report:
3,11
